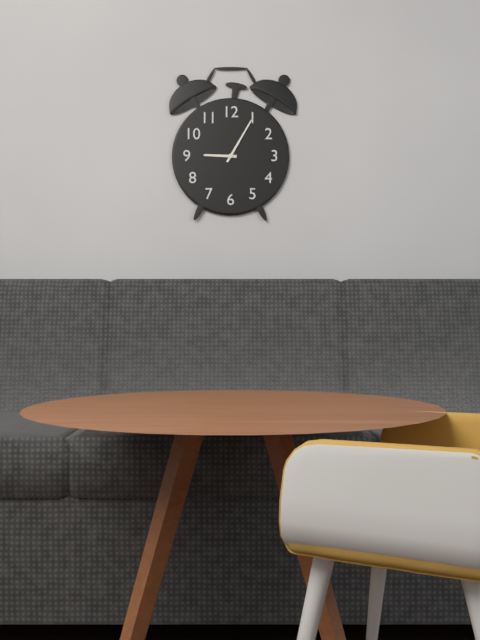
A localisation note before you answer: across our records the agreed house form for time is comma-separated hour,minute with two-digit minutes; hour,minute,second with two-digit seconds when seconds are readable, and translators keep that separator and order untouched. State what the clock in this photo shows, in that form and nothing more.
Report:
9,05
